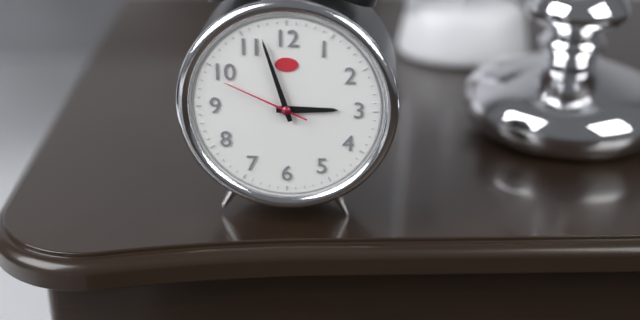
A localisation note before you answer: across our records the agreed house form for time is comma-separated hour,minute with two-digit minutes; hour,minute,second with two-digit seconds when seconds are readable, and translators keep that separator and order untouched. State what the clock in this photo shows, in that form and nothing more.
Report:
2,57,49
